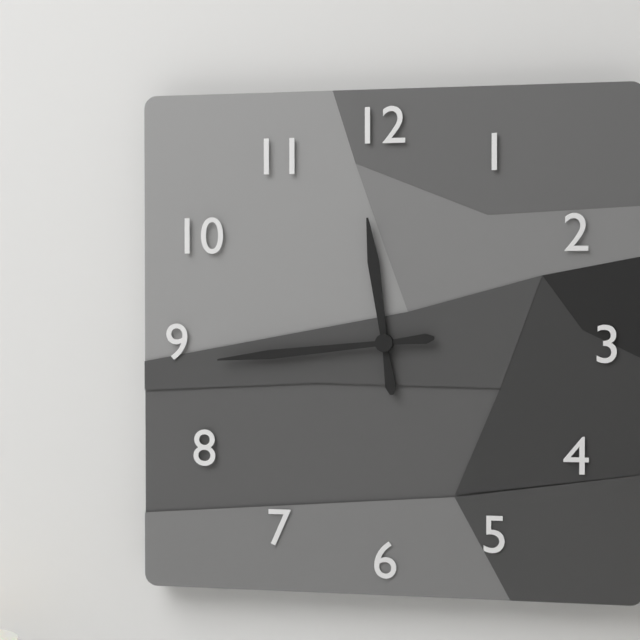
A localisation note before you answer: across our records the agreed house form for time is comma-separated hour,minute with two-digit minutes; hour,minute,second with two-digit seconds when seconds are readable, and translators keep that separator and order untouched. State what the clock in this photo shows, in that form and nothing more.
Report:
11,44
